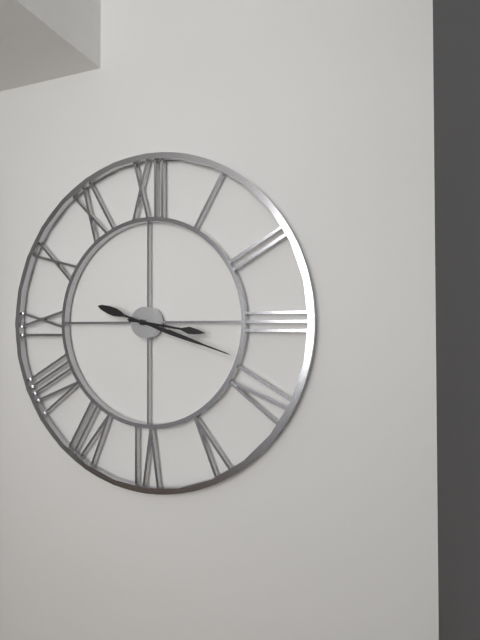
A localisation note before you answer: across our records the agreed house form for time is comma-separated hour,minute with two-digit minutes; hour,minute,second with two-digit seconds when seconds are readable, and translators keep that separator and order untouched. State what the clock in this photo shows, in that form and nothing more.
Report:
3,18
